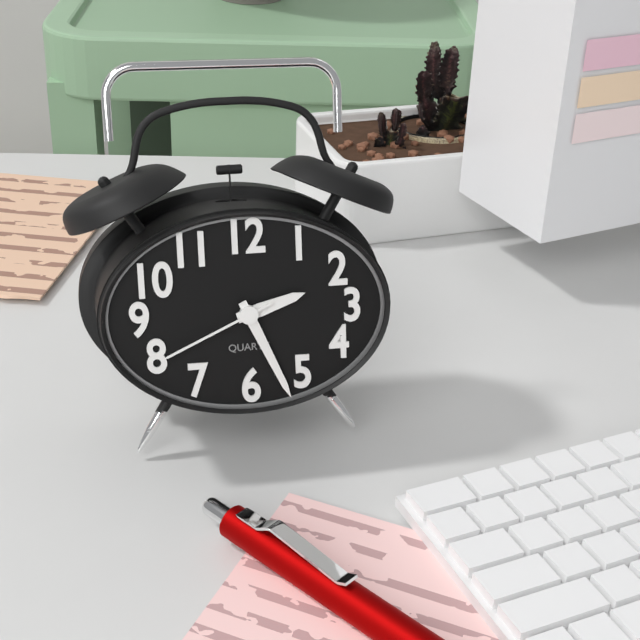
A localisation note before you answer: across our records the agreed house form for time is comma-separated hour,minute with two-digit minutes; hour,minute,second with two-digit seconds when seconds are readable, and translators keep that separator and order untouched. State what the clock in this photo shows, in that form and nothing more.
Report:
2,26,41
